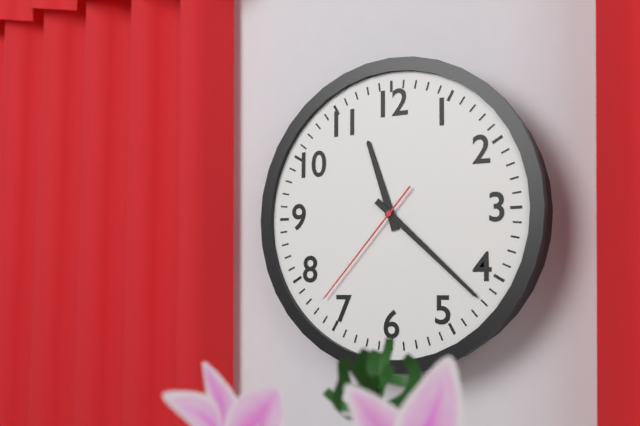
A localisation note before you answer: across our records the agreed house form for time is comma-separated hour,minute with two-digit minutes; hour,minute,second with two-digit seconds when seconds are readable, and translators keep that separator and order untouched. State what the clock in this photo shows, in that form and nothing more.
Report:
11,22,37
